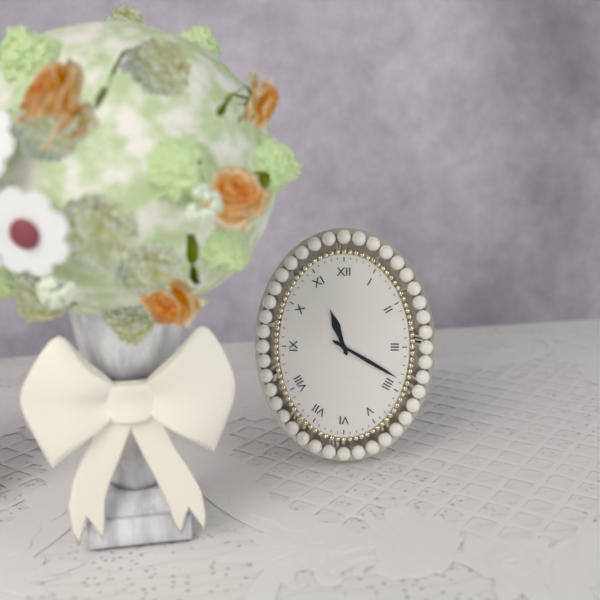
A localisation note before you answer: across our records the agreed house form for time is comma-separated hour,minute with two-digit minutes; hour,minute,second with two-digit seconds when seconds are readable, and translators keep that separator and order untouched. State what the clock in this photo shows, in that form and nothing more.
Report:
11,20
